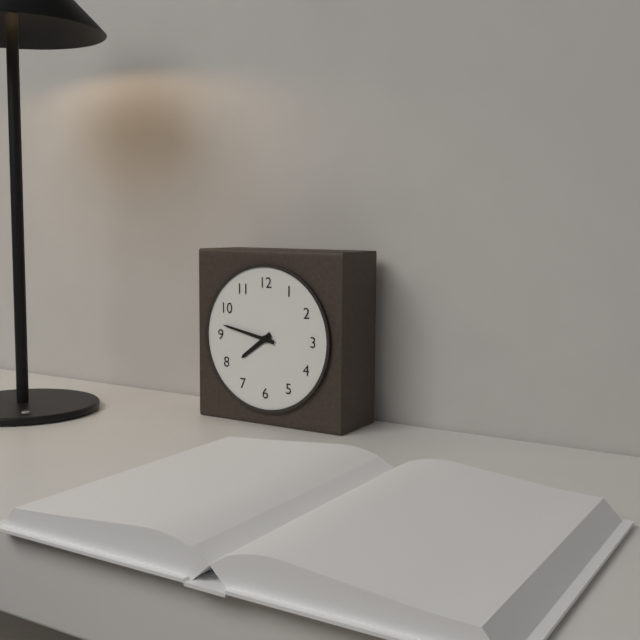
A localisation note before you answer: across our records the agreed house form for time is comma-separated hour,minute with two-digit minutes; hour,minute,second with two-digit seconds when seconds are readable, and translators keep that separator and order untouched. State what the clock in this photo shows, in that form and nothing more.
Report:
7,47
